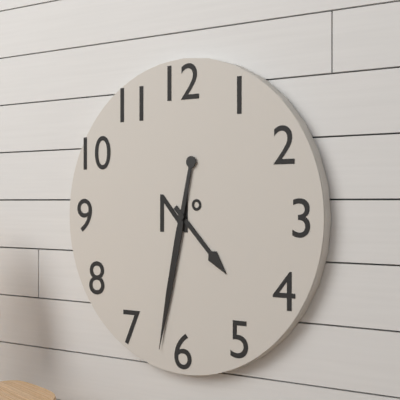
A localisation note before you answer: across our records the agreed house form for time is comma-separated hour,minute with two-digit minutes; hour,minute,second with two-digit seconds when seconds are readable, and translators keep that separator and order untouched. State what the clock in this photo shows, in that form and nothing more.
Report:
4,32
